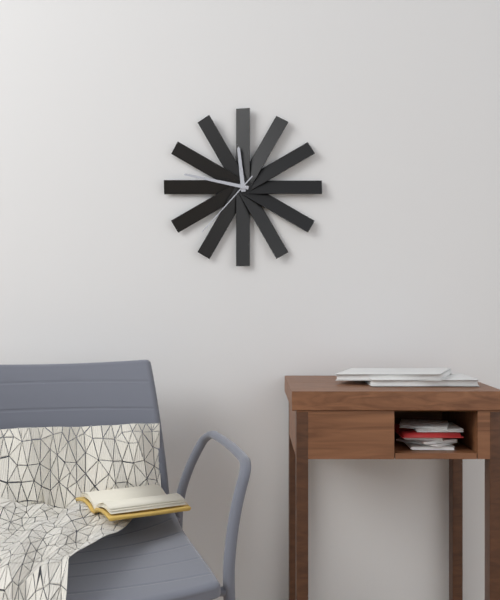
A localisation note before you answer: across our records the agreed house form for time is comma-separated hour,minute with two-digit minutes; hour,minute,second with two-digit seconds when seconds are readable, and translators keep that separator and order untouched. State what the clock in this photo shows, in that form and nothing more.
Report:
11,47,37
